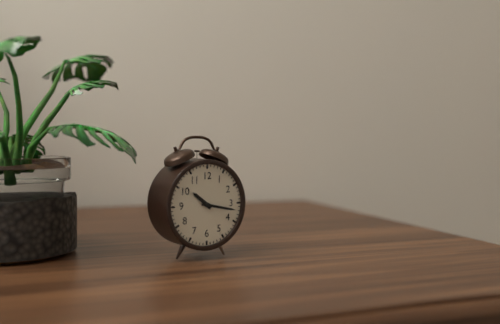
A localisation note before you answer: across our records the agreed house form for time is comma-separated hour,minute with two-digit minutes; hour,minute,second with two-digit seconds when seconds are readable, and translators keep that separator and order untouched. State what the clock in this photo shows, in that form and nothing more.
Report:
10,17
